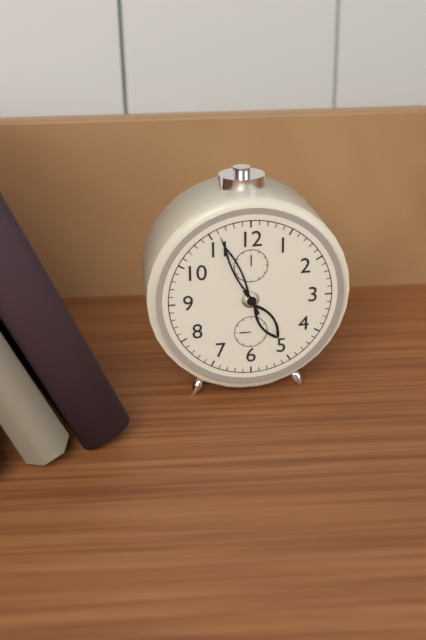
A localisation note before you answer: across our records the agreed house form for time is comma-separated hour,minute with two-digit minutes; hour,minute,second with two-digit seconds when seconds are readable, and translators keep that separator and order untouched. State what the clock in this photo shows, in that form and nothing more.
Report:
4,56
